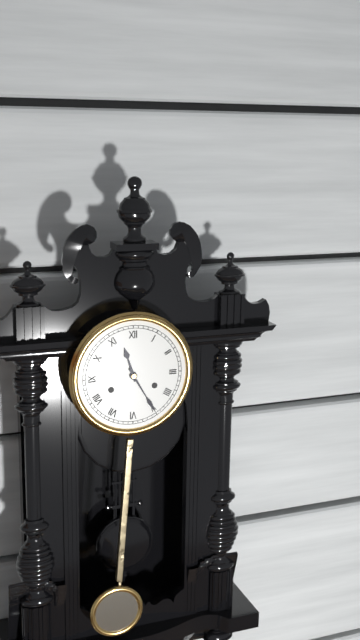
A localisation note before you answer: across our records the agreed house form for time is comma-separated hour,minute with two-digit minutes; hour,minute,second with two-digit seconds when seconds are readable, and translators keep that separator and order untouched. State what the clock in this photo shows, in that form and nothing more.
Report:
11,25
